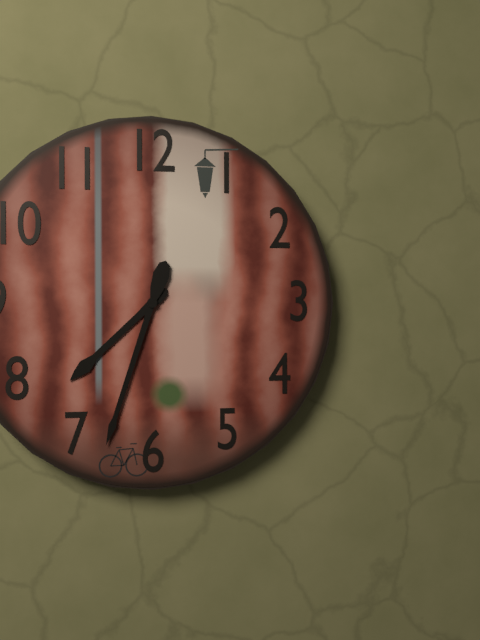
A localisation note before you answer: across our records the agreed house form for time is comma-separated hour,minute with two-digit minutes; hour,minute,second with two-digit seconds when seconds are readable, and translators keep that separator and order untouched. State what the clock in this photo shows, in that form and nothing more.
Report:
7,33
